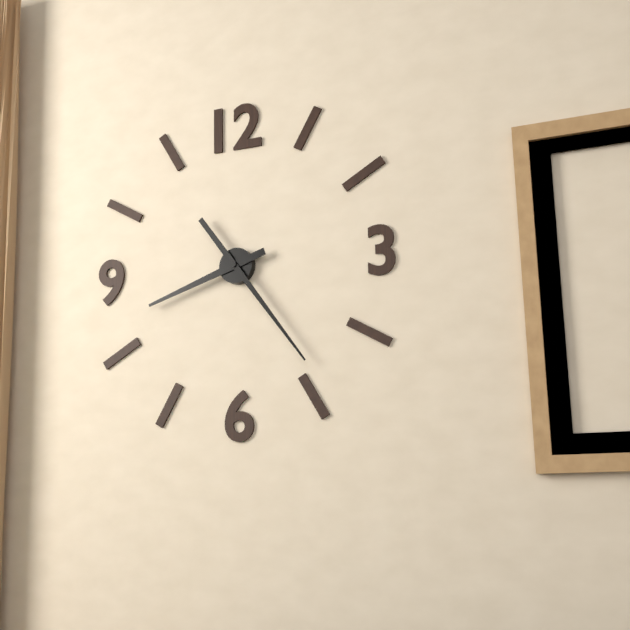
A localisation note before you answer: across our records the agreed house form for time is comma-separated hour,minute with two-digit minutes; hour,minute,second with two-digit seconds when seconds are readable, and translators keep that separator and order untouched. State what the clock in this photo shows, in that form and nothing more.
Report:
8,24
